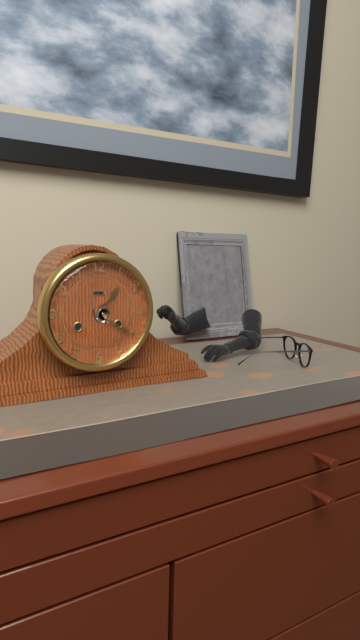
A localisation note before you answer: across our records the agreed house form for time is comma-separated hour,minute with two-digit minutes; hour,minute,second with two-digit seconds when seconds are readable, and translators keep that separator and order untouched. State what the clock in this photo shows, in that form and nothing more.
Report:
1,21
